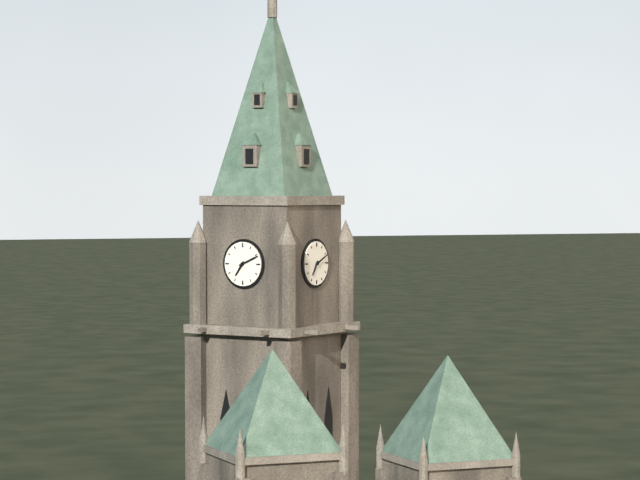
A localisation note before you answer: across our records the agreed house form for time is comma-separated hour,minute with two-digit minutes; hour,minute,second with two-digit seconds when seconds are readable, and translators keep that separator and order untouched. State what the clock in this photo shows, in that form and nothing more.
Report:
7,11
